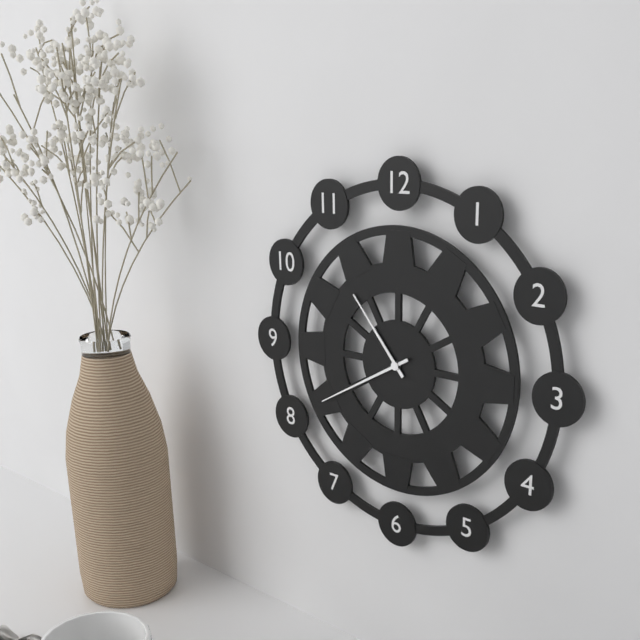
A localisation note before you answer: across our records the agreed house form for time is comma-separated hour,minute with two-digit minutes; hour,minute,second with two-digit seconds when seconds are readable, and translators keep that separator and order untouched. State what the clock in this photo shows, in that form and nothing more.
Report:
10,40
